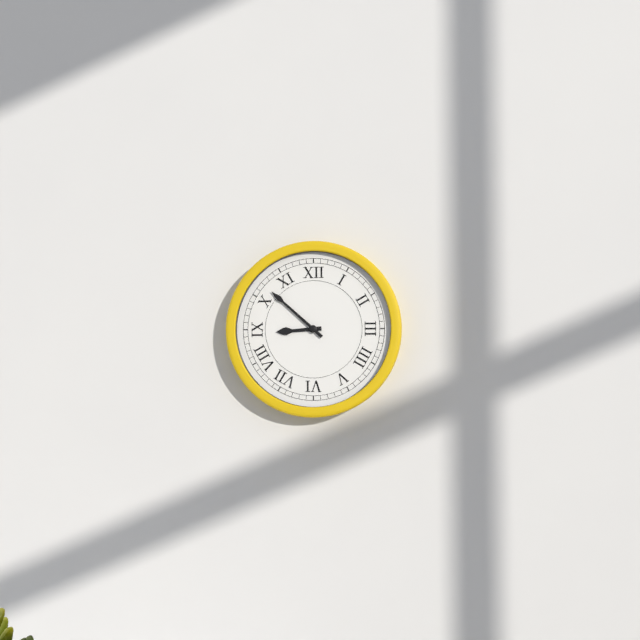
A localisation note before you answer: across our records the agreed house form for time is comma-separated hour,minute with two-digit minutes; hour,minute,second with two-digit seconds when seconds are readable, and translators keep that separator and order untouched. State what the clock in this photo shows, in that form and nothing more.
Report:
8,52
